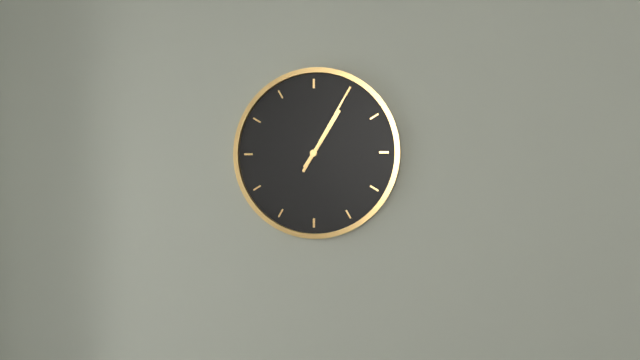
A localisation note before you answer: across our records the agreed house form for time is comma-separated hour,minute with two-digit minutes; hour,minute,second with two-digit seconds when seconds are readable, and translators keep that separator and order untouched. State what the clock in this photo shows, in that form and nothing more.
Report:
1,05
